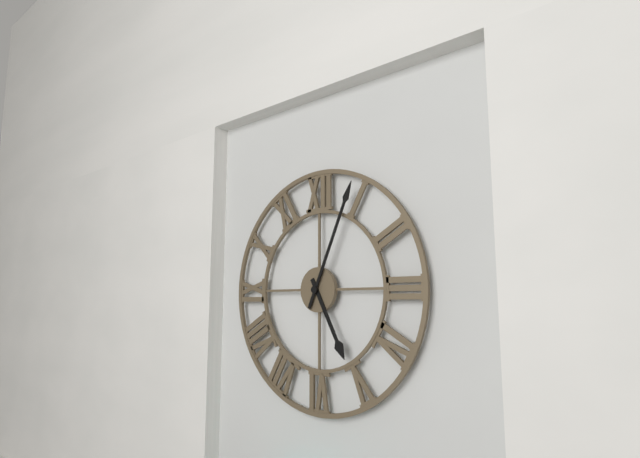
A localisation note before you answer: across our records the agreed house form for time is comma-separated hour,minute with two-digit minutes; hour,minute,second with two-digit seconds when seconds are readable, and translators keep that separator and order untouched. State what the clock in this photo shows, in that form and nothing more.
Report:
5,04
